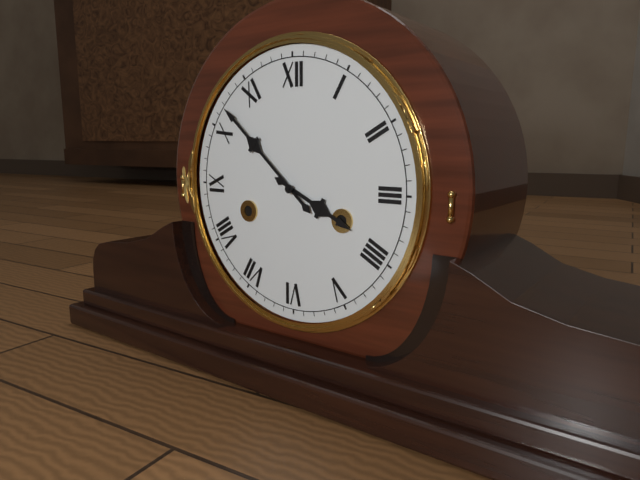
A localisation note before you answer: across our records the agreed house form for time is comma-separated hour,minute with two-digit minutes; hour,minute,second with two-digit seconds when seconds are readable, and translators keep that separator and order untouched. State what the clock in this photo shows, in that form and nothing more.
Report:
3,52
